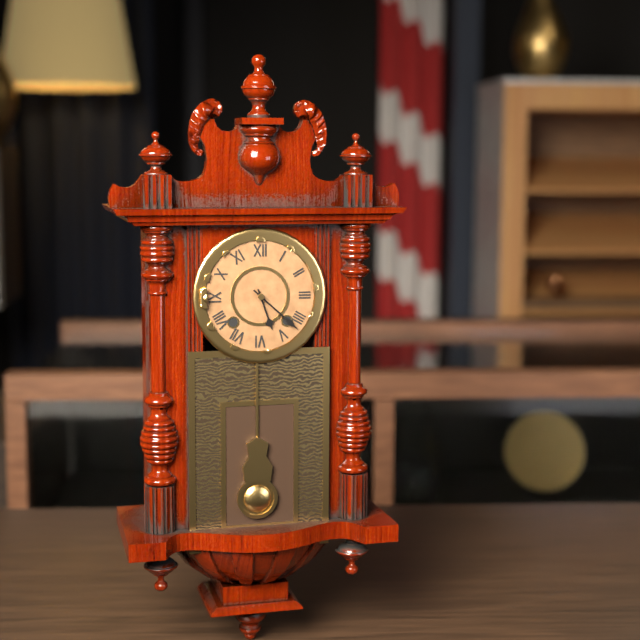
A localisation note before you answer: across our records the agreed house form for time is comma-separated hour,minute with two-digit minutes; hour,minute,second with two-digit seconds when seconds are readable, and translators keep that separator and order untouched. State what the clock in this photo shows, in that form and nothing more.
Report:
5,22
